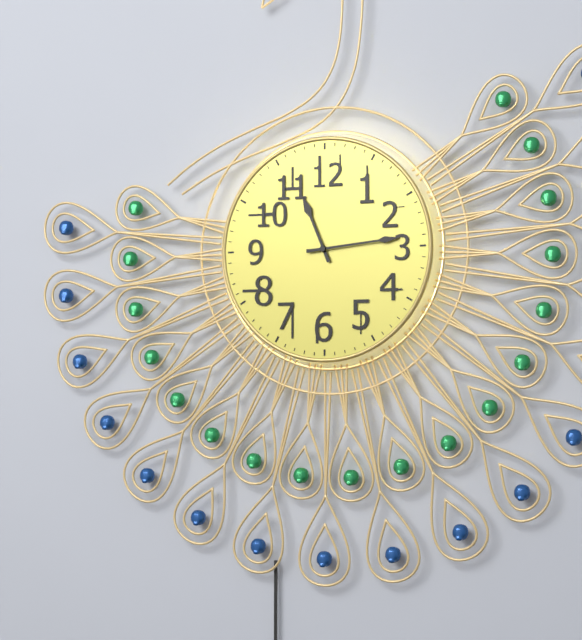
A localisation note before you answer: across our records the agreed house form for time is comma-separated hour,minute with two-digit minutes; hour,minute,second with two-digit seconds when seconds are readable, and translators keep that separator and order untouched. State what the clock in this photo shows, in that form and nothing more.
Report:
11,14
